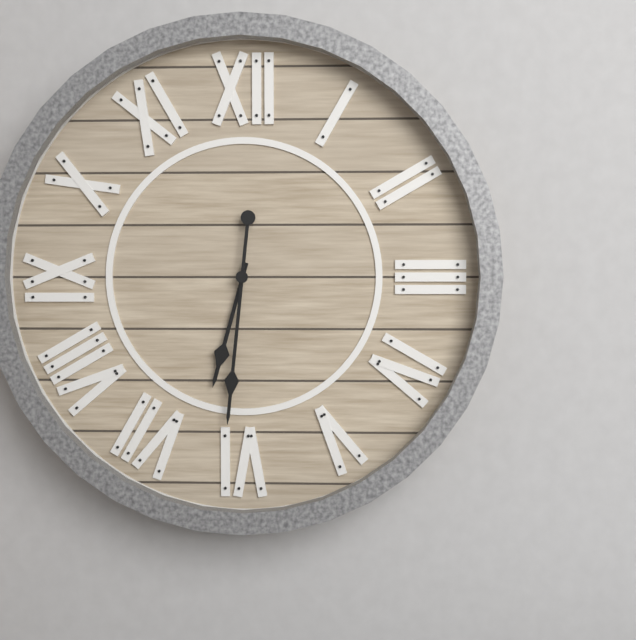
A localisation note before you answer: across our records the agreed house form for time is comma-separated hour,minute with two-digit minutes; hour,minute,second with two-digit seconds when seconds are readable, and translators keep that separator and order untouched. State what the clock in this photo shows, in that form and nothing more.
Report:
6,31
